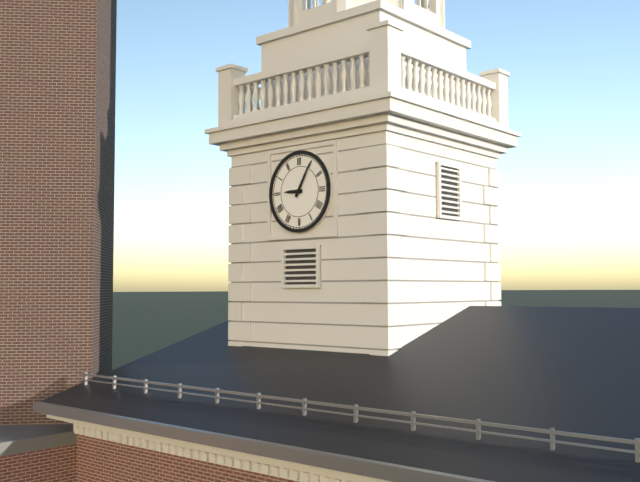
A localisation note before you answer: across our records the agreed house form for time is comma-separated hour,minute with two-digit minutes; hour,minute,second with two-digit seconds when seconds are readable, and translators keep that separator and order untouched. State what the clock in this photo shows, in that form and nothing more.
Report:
9,05
